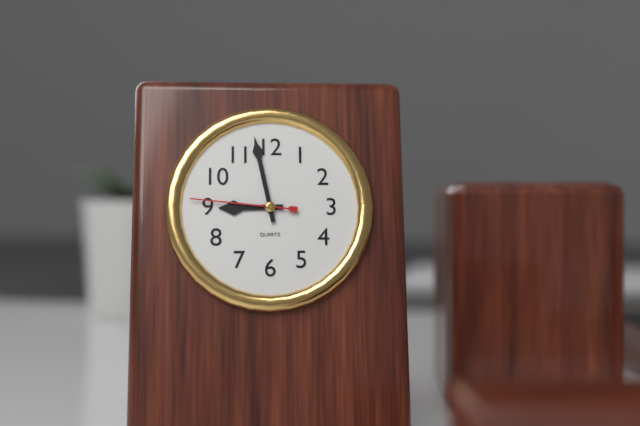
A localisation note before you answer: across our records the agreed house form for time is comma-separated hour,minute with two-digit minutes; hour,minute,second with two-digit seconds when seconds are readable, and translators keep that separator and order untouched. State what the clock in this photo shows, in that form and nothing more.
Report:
8,58,46
